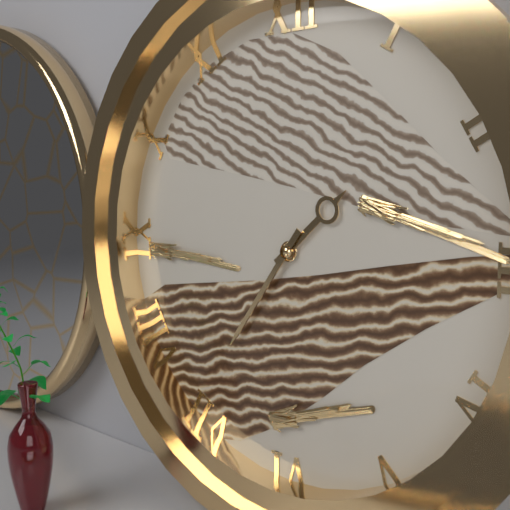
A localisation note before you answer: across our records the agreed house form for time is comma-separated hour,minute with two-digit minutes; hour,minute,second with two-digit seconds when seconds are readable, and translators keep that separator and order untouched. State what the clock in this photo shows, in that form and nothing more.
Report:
1,36
